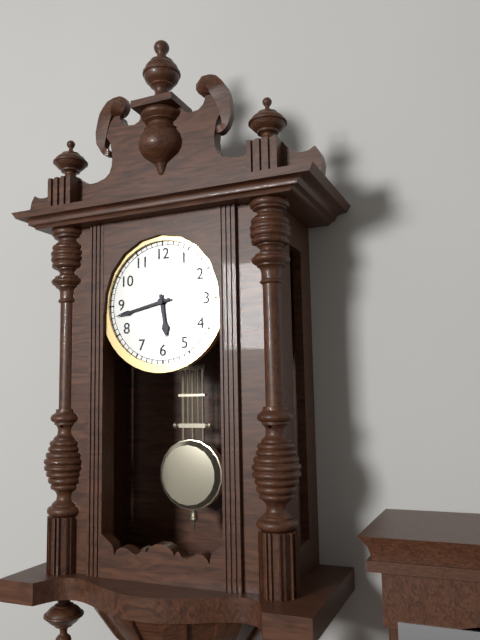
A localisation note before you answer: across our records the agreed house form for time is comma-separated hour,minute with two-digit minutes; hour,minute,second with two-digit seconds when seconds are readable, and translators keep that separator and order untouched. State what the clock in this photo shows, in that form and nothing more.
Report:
5,43
